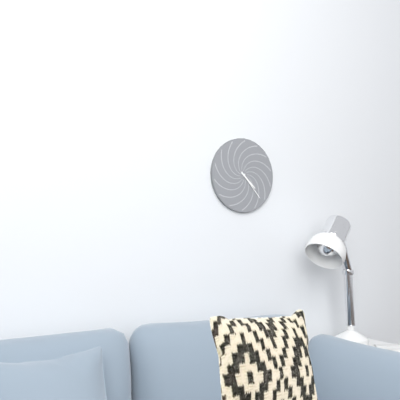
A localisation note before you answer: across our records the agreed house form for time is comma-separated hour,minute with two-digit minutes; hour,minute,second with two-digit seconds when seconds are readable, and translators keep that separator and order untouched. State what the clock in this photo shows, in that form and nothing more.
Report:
4,23
